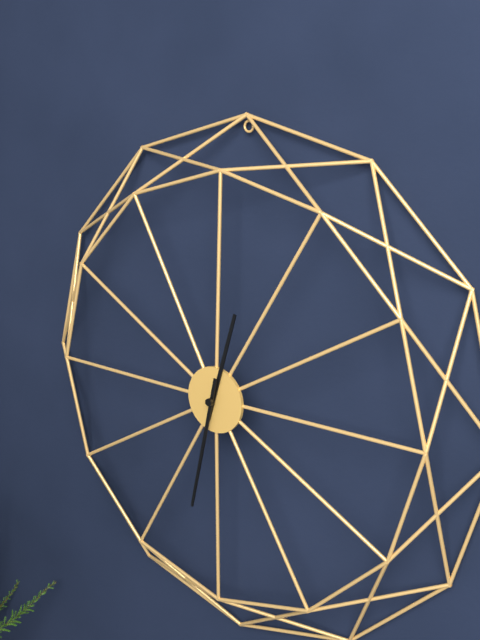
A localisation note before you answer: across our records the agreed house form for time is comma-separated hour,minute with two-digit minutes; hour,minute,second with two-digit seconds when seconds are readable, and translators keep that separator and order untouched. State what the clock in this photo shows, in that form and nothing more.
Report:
12,32
